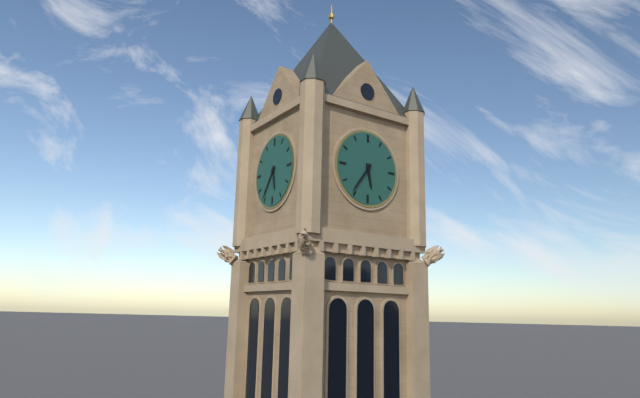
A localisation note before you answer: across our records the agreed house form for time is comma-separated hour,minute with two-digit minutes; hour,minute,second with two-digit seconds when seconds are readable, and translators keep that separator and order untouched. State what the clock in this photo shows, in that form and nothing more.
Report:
5,36
